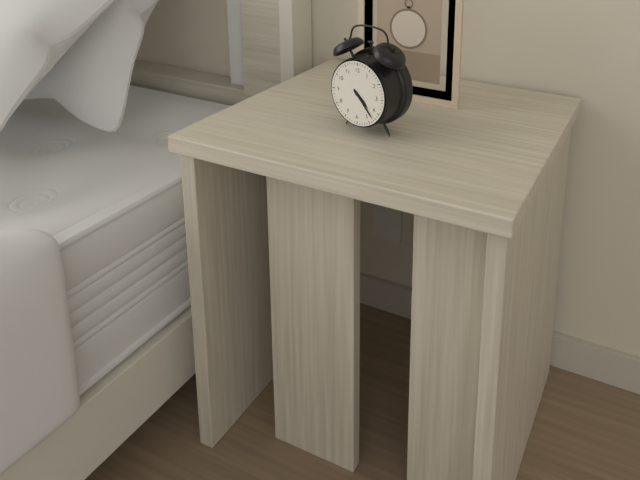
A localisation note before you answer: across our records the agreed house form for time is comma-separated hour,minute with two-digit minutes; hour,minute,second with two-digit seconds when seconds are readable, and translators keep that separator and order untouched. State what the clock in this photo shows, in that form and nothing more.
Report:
4,23
